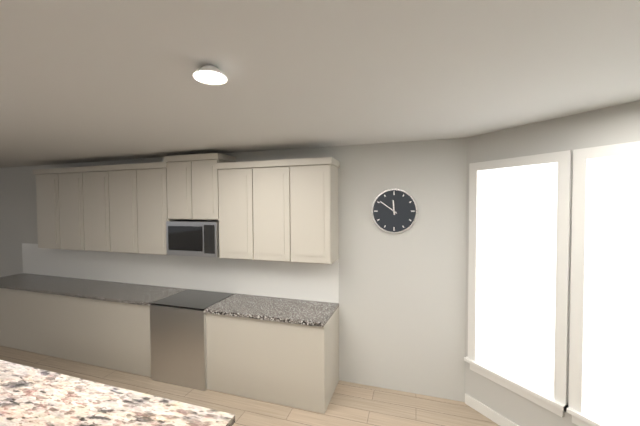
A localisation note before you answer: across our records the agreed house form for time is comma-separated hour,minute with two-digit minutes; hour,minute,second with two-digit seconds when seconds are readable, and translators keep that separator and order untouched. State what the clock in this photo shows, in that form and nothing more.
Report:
11,51
